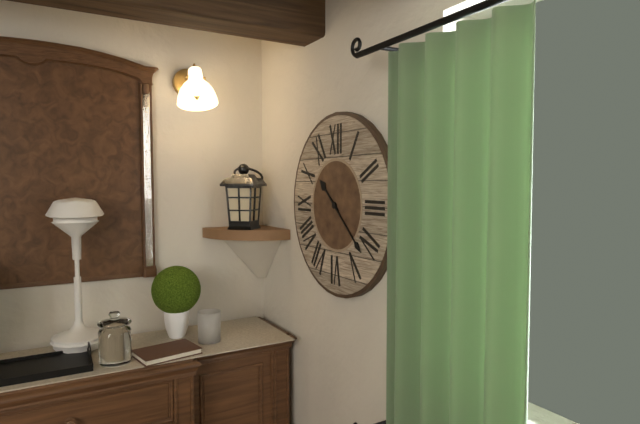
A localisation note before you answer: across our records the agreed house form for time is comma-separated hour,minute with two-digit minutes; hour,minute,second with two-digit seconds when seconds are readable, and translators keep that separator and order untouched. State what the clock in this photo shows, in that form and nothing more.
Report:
10,22
